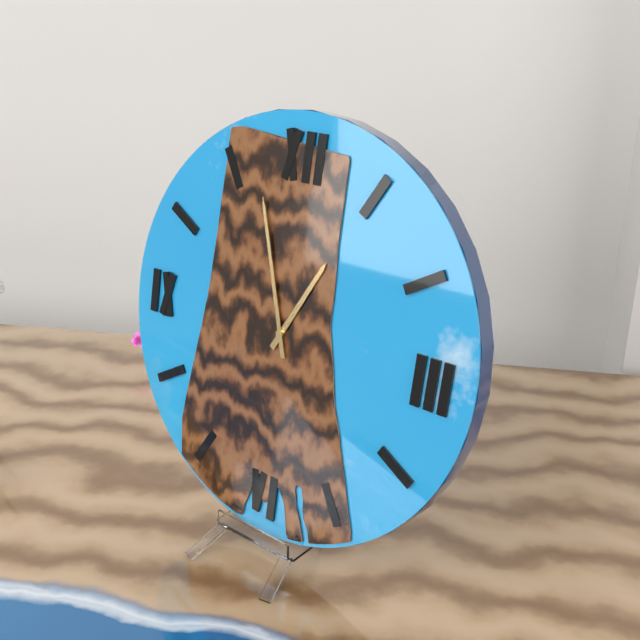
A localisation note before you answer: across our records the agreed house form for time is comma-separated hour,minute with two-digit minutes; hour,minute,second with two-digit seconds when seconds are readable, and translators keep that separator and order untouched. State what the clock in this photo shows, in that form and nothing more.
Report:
12,57
